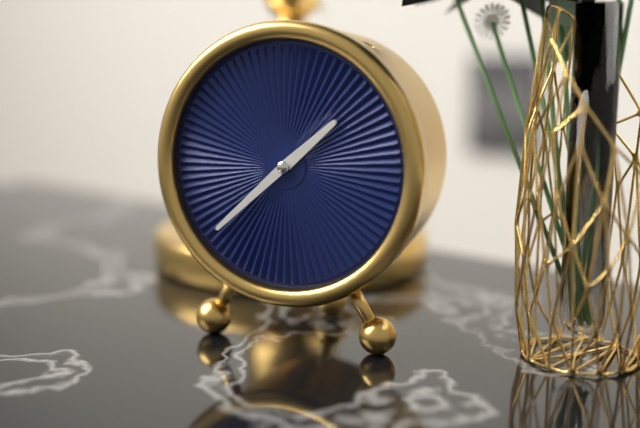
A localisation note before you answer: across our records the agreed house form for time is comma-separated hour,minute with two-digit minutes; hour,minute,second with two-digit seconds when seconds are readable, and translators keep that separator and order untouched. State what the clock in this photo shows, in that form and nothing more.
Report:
1,38
